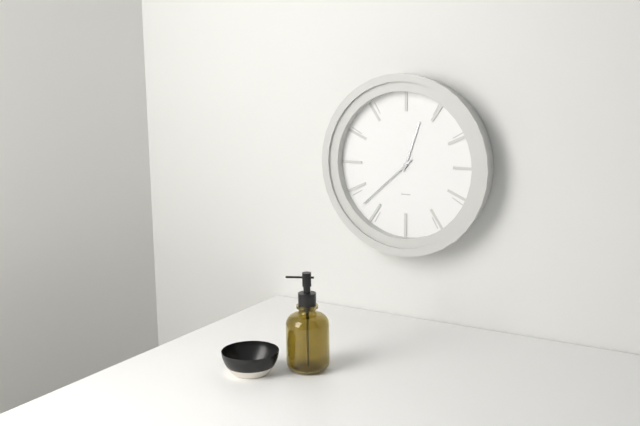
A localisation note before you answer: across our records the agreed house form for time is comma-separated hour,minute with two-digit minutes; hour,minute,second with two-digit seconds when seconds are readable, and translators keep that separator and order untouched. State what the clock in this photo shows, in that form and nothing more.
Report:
12,38
